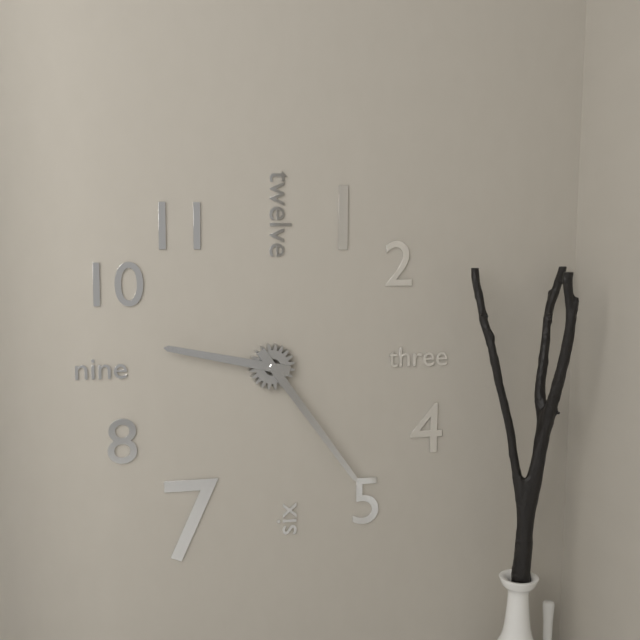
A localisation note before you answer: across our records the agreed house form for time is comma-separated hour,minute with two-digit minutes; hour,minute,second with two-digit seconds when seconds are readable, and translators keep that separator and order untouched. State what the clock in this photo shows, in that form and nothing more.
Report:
9,24
